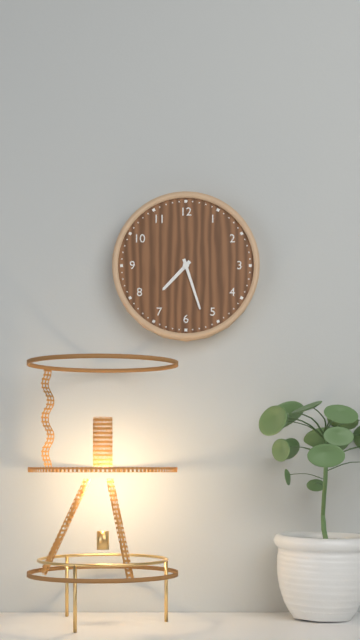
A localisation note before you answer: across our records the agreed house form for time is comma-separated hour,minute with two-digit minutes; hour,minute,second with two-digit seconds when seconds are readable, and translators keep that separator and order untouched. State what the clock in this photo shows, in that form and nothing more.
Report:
7,27
